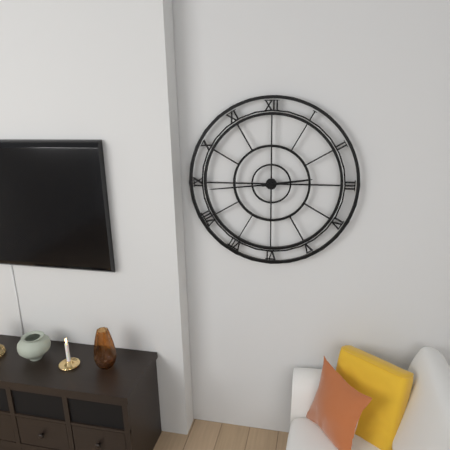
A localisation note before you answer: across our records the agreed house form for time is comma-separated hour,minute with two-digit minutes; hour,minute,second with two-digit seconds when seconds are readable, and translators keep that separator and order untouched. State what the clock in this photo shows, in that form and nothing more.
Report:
2,44
